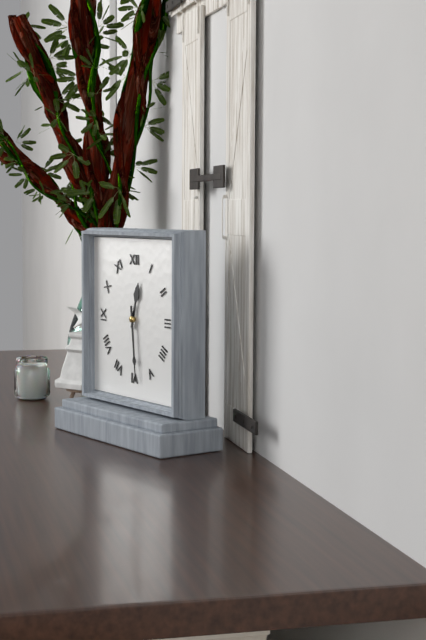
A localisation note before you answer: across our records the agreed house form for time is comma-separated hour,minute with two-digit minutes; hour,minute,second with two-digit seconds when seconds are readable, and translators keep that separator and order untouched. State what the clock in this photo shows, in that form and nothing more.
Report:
12,29
